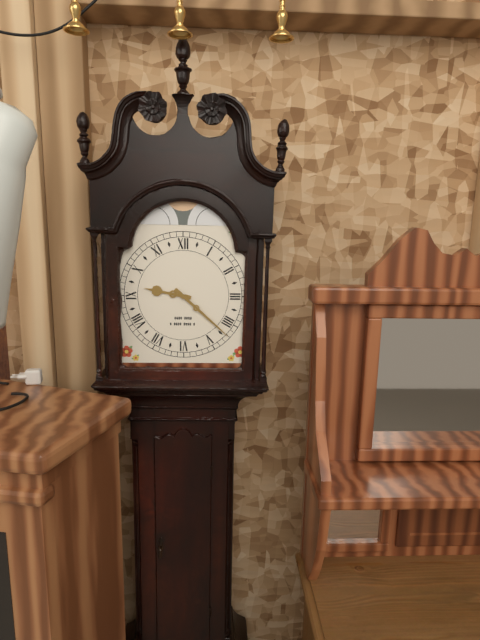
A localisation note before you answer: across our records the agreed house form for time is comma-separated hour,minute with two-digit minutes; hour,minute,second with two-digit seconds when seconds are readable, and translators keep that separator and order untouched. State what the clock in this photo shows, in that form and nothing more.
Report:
9,22
